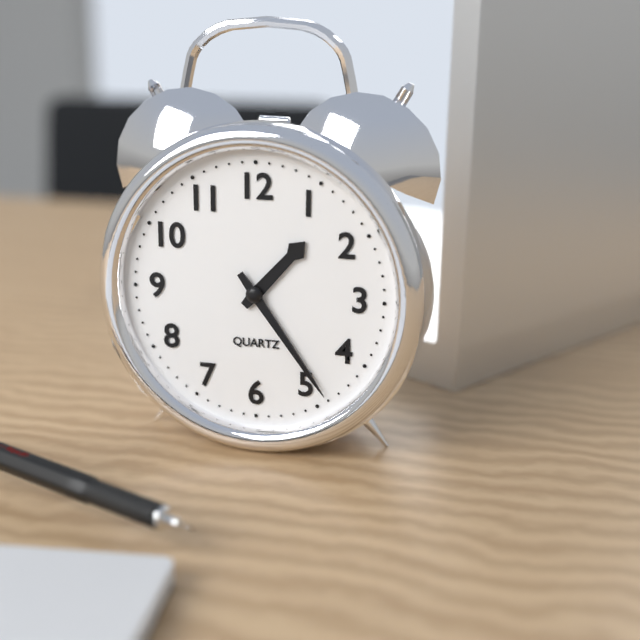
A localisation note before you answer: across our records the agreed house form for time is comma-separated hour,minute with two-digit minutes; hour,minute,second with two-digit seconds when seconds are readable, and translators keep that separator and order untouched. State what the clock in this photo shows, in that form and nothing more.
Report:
1,24
